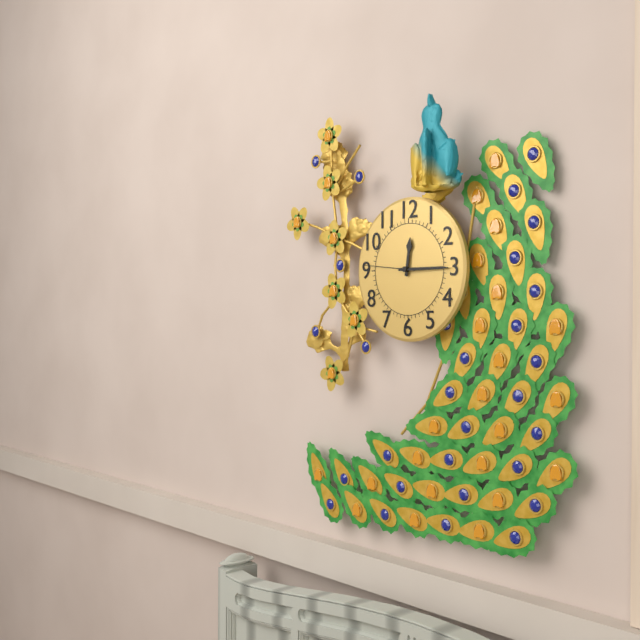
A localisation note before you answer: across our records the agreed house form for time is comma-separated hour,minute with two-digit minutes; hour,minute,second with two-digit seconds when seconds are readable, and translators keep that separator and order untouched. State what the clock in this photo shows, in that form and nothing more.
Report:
12,15,46
